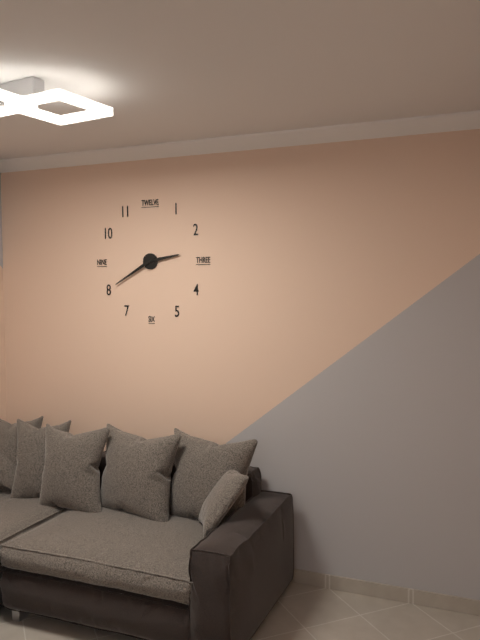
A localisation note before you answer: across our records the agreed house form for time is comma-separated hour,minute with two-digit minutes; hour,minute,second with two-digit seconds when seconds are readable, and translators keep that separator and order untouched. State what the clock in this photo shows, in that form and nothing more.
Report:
2,40
